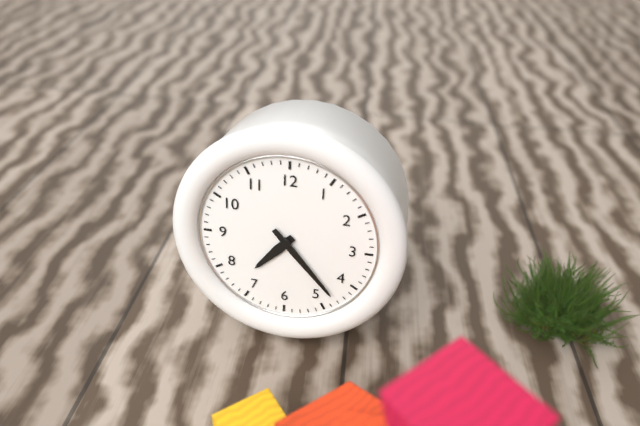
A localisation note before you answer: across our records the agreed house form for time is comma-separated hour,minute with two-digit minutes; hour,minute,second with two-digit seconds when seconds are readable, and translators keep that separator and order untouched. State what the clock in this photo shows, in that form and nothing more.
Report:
7,23
